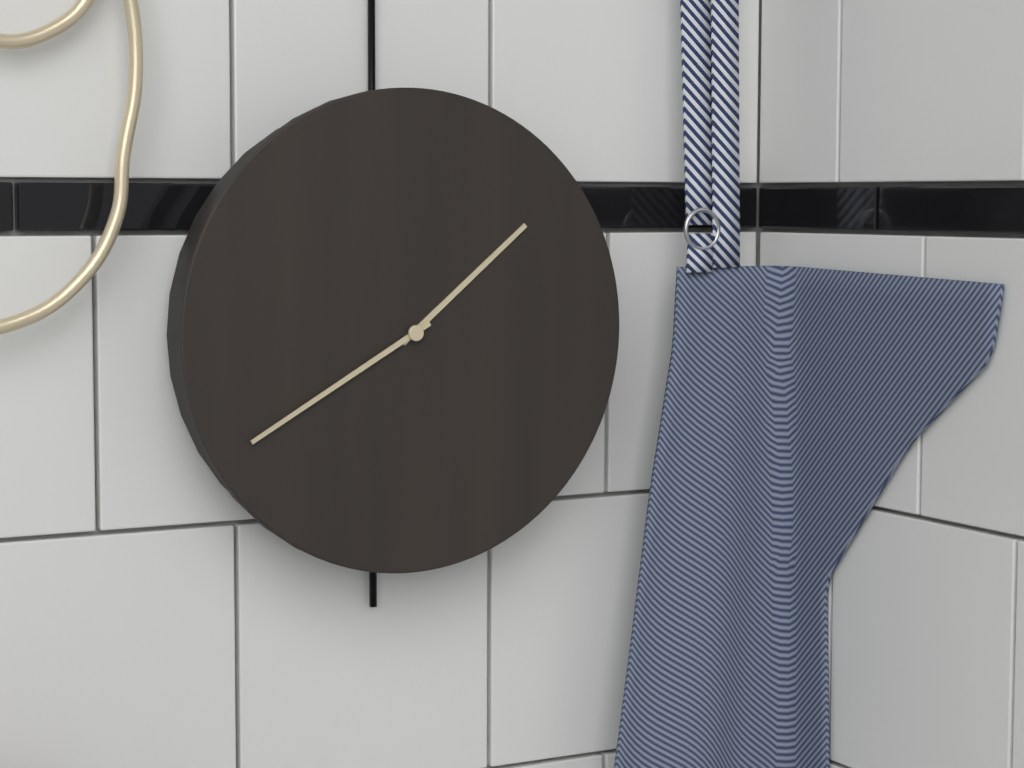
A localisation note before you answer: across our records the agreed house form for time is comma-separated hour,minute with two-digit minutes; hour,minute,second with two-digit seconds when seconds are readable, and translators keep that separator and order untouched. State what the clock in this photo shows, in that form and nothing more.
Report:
1,40
